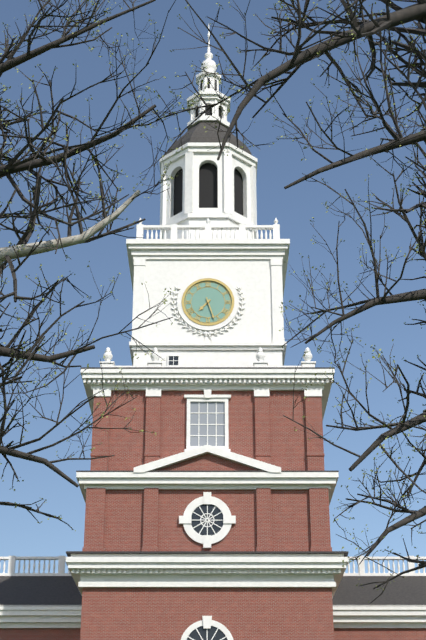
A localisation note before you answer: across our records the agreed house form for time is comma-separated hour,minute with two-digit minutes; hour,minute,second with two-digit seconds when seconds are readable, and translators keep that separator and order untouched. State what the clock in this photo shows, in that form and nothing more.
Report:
7,27
